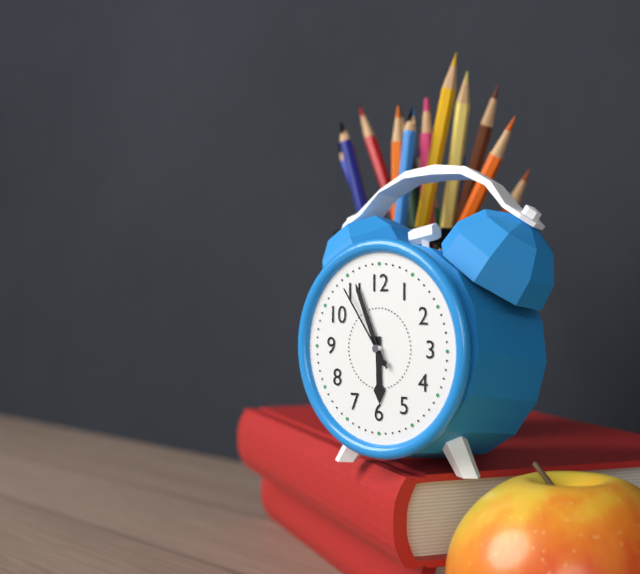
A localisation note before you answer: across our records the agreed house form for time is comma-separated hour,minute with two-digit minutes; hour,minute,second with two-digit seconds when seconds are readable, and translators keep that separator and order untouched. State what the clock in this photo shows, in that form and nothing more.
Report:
5,56,54
